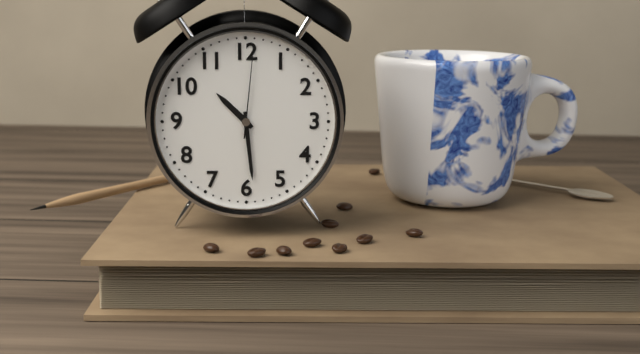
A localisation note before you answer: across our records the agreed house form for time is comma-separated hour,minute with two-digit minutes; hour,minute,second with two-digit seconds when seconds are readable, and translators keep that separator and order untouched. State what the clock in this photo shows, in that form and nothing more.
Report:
10,29,01
